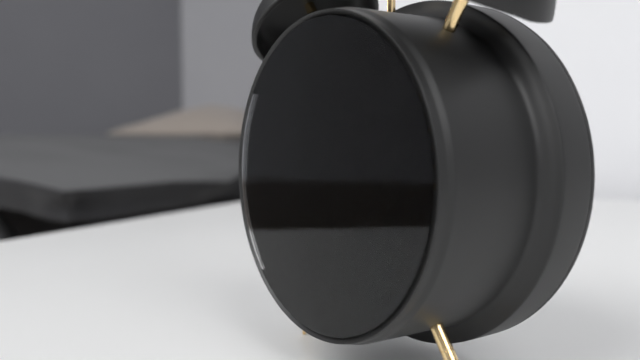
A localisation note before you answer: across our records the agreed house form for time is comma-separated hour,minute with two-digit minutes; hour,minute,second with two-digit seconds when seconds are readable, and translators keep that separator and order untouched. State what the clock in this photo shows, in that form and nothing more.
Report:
6,17,16
